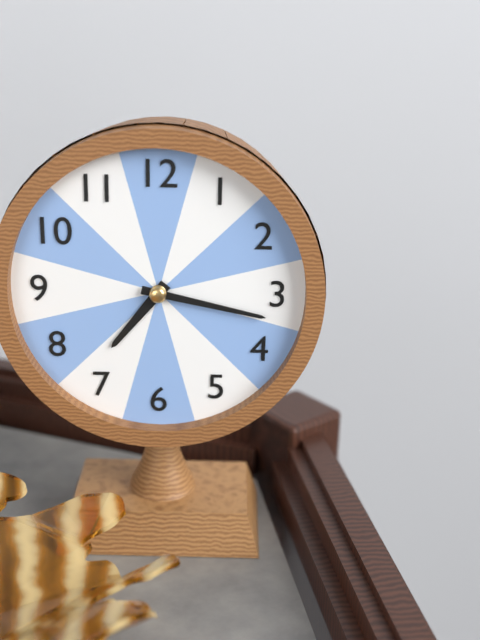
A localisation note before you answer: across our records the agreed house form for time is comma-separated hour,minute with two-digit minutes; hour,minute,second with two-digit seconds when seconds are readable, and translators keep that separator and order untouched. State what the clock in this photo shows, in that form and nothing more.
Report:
7,17
